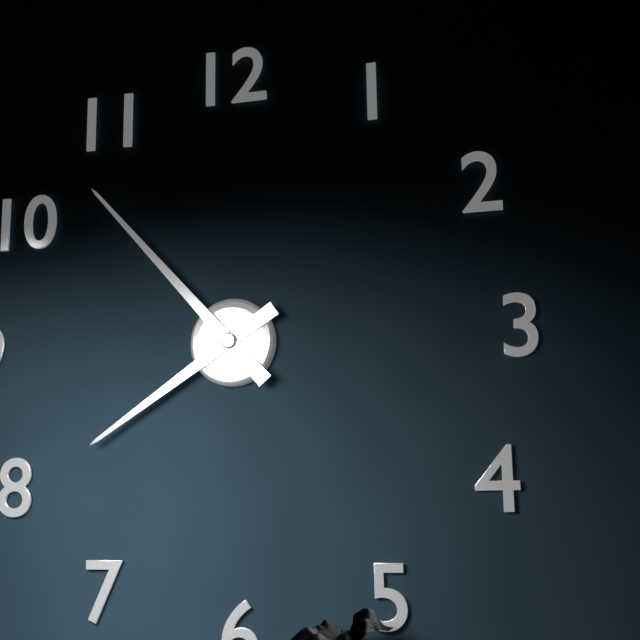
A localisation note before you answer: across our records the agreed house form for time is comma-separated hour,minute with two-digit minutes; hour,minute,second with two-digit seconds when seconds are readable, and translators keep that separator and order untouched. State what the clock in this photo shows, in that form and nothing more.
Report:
7,53
